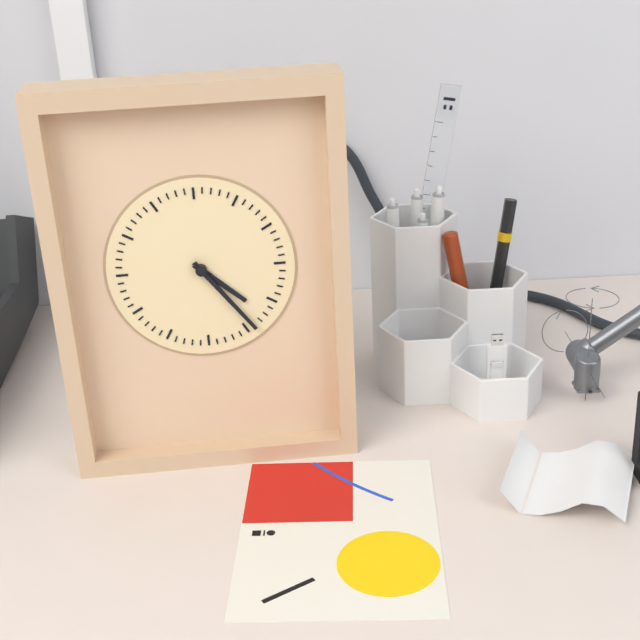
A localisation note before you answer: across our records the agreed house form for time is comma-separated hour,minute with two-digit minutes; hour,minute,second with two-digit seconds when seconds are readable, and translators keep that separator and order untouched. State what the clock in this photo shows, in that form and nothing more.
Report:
4,24
